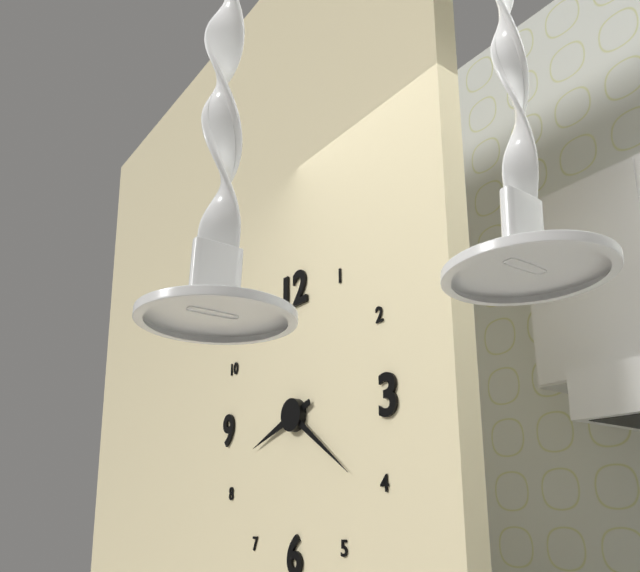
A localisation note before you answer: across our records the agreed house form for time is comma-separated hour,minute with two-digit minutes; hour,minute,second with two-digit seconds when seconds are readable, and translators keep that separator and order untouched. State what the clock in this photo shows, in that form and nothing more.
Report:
8,21
